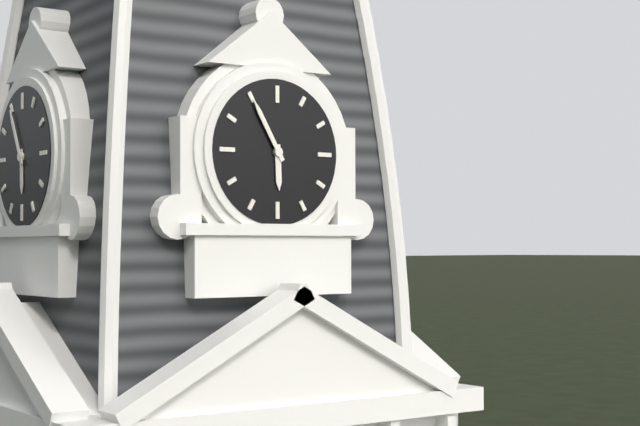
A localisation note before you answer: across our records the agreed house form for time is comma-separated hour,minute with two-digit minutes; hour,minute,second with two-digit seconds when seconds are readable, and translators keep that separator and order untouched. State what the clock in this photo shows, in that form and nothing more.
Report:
5,55
